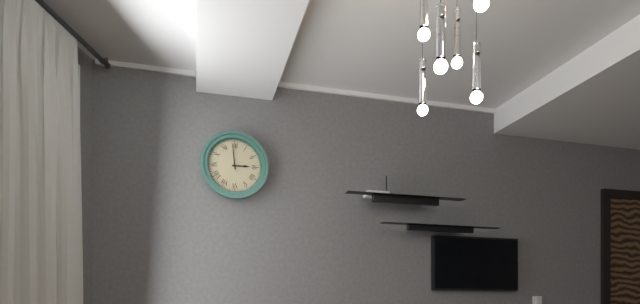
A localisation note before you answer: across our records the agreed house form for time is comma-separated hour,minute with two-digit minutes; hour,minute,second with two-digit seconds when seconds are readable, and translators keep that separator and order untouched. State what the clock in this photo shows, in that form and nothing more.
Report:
2,59
